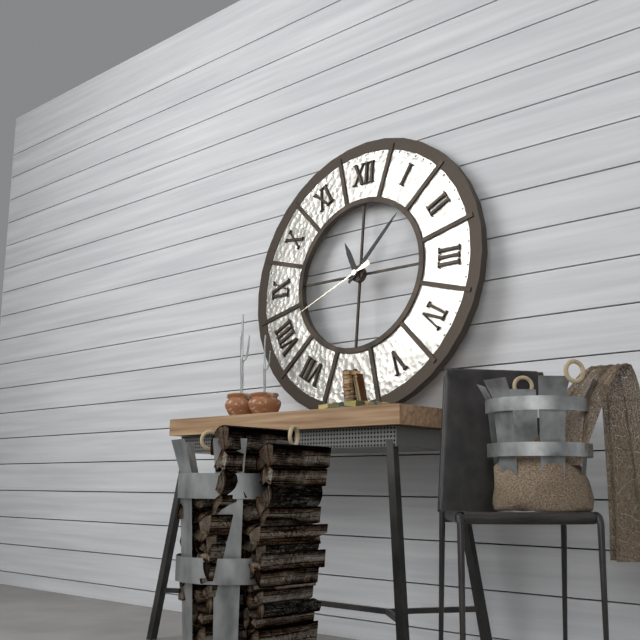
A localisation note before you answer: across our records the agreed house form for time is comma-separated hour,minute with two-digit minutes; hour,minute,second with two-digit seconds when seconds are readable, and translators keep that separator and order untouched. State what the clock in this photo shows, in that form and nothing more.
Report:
11,07,41
